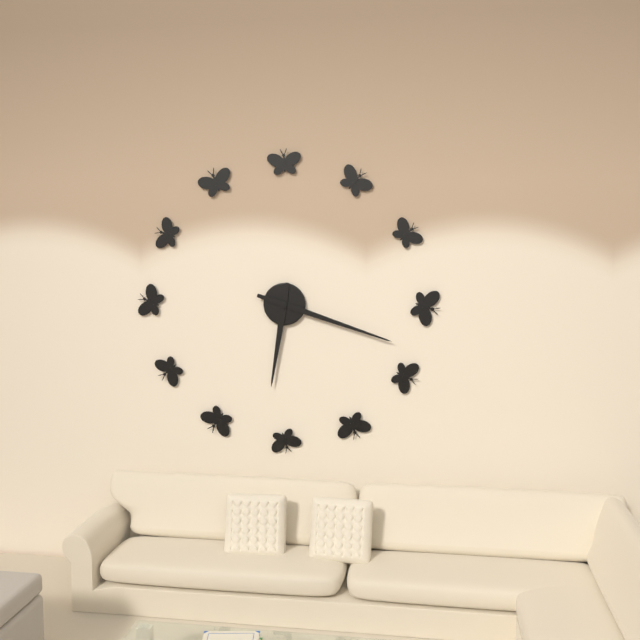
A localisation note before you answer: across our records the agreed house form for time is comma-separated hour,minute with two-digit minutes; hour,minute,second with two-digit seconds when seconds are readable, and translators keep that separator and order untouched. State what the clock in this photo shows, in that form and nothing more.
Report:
6,18
